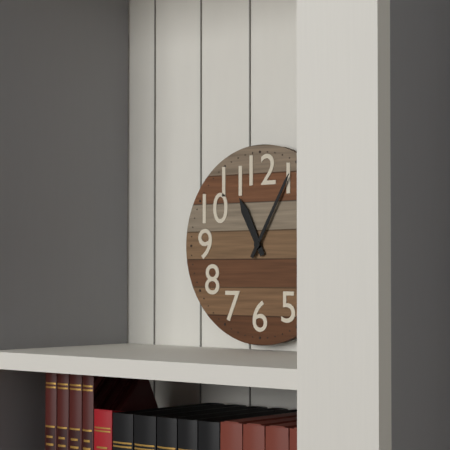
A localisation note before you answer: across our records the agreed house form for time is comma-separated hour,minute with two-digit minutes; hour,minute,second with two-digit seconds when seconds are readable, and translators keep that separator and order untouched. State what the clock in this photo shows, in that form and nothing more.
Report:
11,05
